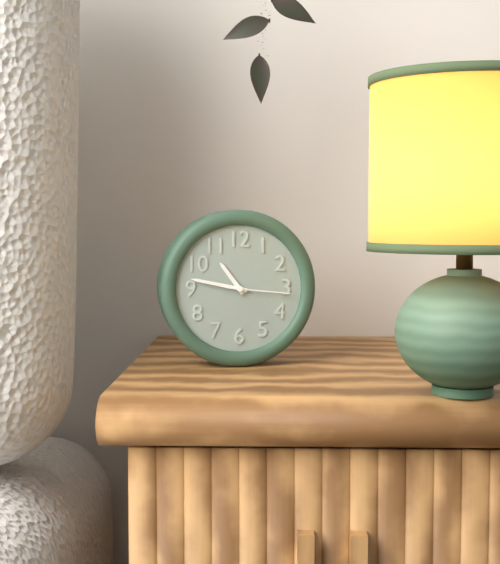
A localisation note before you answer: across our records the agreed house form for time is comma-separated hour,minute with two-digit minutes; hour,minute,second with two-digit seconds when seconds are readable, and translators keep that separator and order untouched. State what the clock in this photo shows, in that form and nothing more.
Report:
10,47,16
